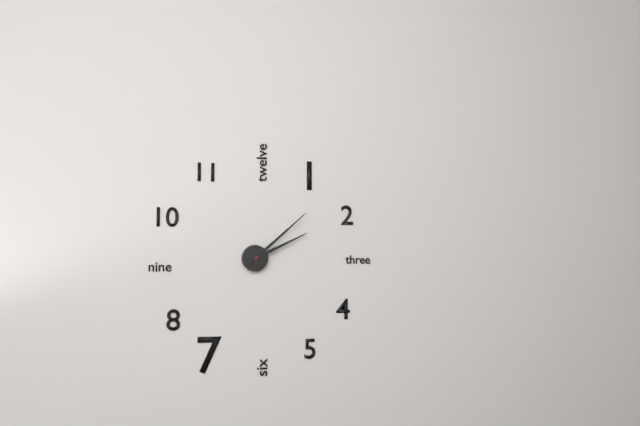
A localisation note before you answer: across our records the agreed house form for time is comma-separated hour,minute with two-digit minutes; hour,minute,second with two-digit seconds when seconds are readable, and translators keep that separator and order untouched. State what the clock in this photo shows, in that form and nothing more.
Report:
2,08
